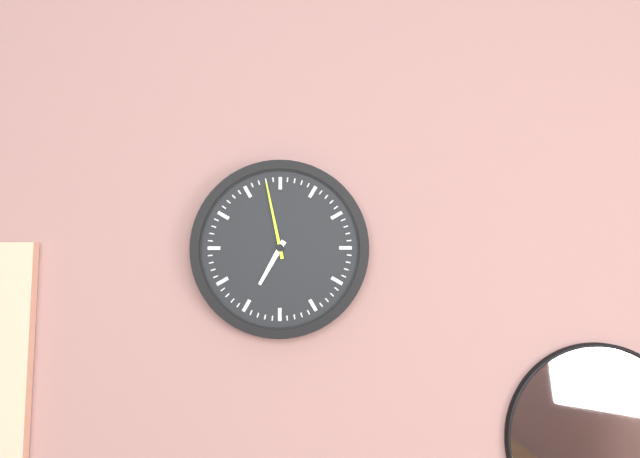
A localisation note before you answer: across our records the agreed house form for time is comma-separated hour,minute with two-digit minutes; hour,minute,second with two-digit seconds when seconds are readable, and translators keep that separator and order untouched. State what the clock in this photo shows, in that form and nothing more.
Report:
6,58
